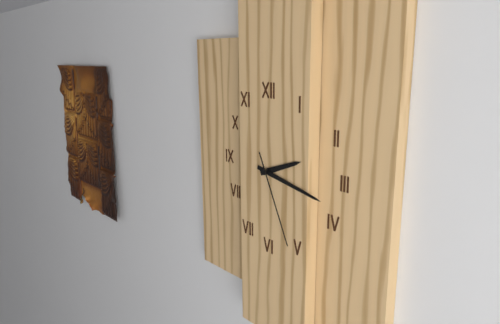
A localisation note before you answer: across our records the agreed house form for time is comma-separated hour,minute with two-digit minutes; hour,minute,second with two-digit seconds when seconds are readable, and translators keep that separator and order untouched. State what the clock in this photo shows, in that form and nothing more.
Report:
2,17,26
